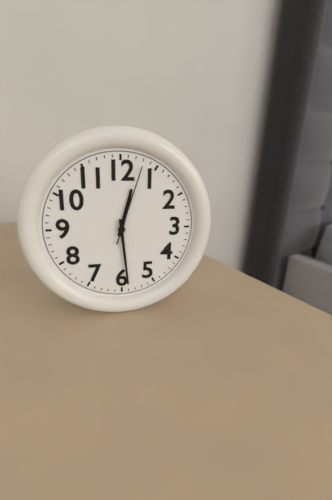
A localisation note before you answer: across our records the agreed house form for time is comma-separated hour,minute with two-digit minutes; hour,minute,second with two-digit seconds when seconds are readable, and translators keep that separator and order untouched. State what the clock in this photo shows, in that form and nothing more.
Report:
12,29,03
